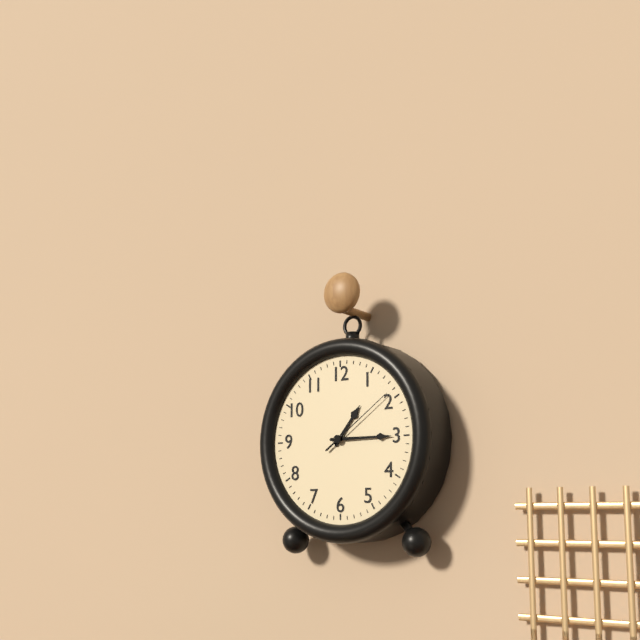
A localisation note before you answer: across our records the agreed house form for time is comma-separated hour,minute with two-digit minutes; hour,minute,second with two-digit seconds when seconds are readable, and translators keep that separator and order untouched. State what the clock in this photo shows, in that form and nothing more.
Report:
1,15,09
